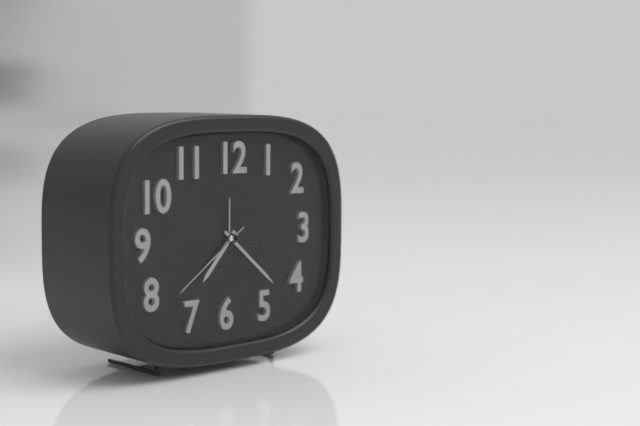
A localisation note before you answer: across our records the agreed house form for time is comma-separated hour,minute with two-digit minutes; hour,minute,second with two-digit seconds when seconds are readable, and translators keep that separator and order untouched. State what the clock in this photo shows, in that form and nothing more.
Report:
7,22,39
